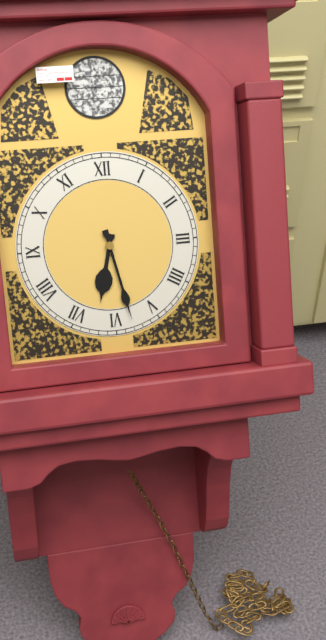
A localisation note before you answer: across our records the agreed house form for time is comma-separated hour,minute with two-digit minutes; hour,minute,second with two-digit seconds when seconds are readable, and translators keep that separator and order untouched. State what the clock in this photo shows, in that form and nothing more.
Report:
6,28
